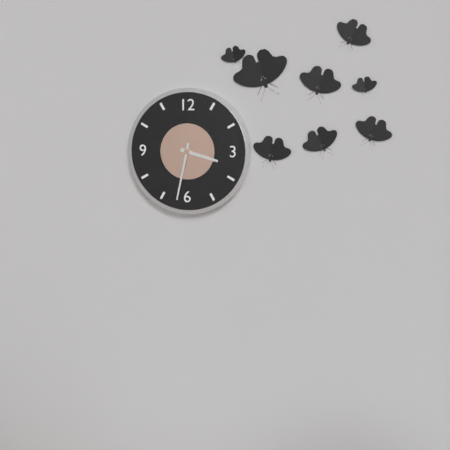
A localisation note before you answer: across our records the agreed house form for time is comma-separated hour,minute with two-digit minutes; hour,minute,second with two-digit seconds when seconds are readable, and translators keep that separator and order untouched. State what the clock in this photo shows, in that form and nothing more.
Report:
3,32
